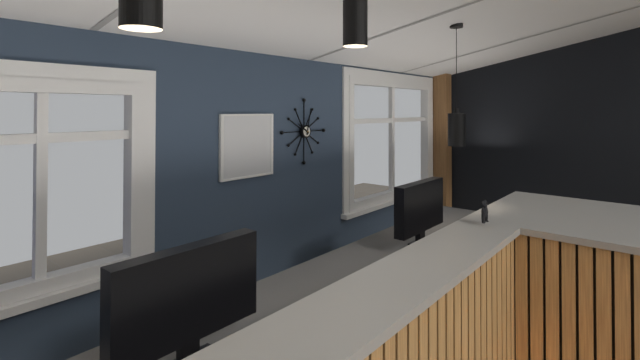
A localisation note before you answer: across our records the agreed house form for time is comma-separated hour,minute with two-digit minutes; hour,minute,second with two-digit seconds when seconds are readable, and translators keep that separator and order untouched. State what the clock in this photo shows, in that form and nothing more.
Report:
10,02
